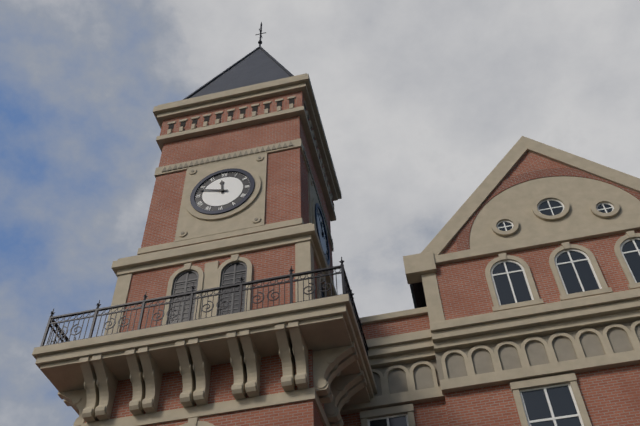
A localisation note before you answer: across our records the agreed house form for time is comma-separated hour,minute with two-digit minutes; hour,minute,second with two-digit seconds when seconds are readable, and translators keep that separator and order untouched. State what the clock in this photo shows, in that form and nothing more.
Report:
11,48
